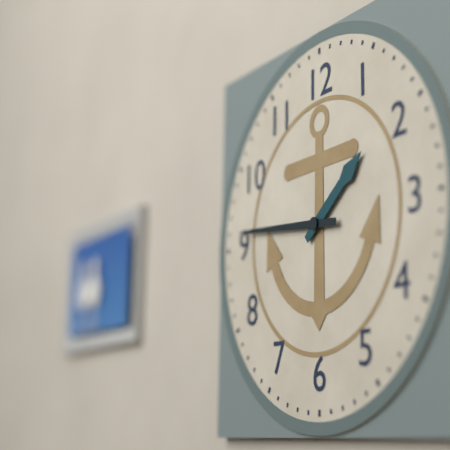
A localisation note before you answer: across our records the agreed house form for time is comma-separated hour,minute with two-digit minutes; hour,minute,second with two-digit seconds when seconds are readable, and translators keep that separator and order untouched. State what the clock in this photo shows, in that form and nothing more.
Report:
1,46
